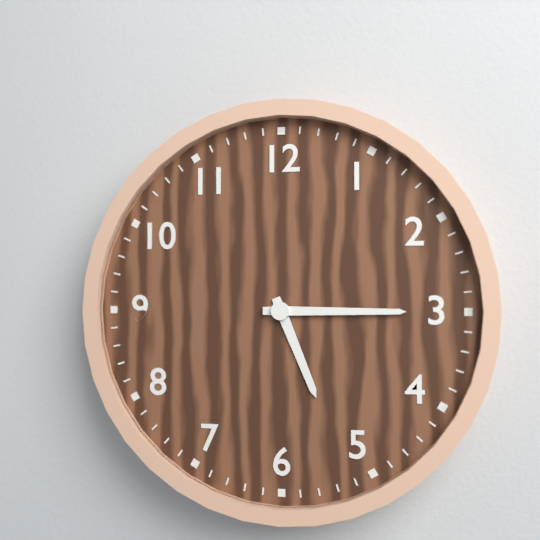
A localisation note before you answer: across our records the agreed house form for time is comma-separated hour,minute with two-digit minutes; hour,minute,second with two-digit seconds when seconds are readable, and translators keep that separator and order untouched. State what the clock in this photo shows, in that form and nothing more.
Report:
5,15
